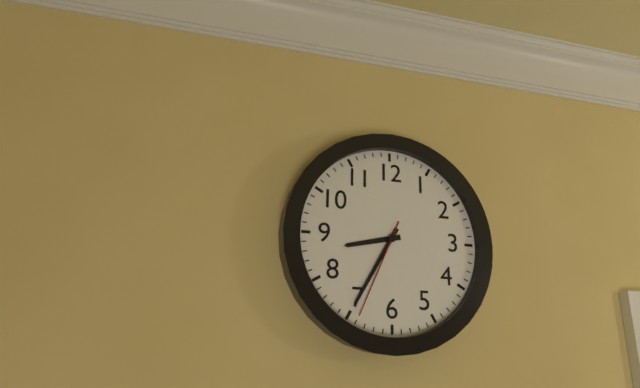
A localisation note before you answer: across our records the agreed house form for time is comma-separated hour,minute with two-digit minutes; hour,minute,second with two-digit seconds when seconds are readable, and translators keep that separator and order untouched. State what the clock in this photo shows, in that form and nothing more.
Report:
8,35,34
